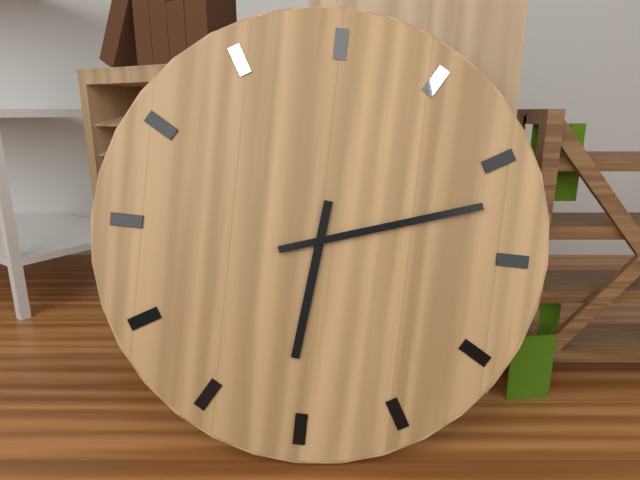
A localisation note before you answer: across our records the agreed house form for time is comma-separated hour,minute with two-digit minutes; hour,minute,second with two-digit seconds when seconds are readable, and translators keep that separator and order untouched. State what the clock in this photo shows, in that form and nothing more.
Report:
6,12
